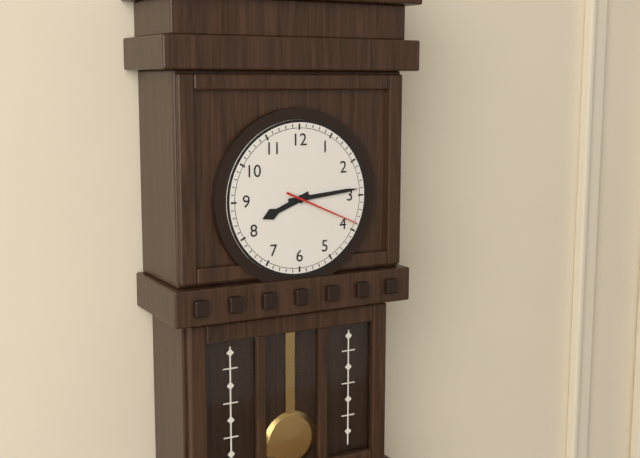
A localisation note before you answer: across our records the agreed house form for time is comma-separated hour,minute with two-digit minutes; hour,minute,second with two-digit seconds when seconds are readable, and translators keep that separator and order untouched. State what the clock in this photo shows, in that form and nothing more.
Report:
8,14,19
